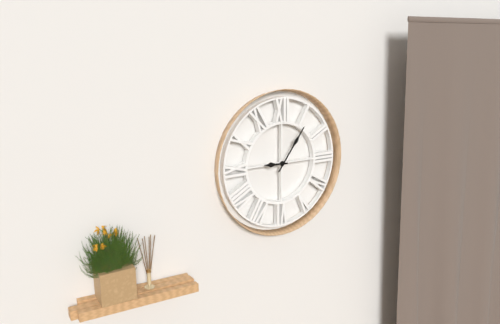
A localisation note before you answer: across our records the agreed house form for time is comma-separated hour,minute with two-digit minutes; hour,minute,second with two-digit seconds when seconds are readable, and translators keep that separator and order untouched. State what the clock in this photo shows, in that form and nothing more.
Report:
9,06
